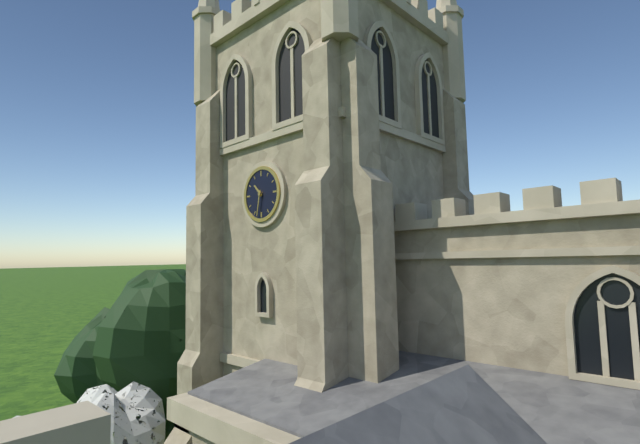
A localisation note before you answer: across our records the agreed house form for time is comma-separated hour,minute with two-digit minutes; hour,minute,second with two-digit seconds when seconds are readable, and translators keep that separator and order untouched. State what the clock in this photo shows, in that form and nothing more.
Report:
10,32
